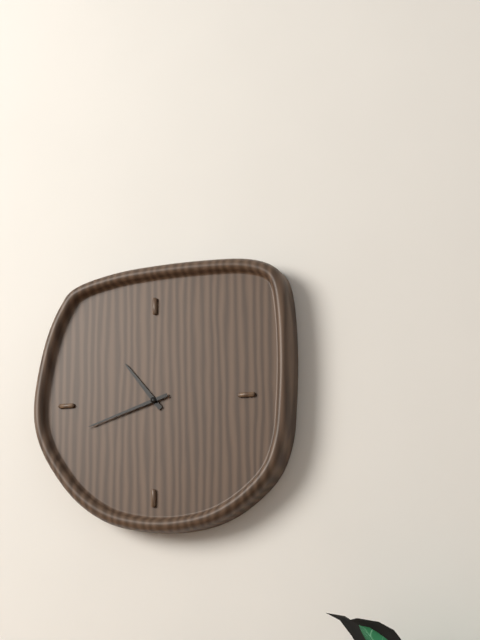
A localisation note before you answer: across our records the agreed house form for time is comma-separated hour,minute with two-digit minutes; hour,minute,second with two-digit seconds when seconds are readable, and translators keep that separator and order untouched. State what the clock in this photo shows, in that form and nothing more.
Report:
10,42
